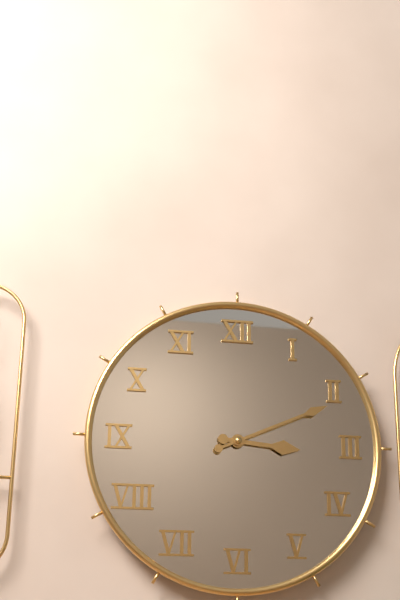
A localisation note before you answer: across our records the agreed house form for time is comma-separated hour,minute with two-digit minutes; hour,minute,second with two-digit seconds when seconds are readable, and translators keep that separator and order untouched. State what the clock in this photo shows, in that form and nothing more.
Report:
3,11
